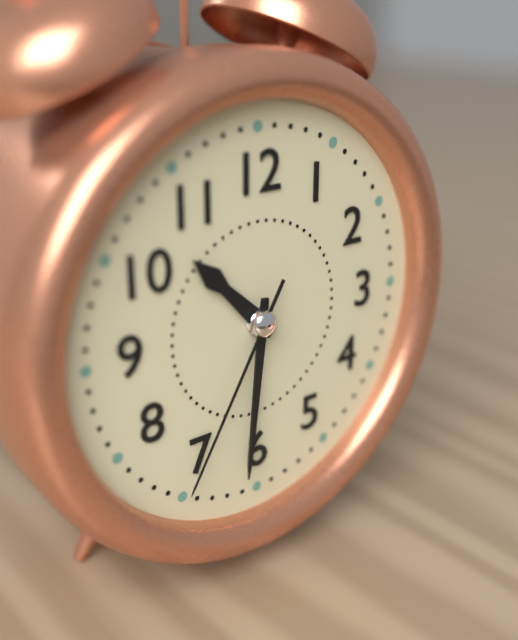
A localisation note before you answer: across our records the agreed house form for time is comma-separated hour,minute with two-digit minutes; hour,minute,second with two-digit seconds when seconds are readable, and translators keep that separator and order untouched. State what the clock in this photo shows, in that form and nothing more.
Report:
10,31,35
